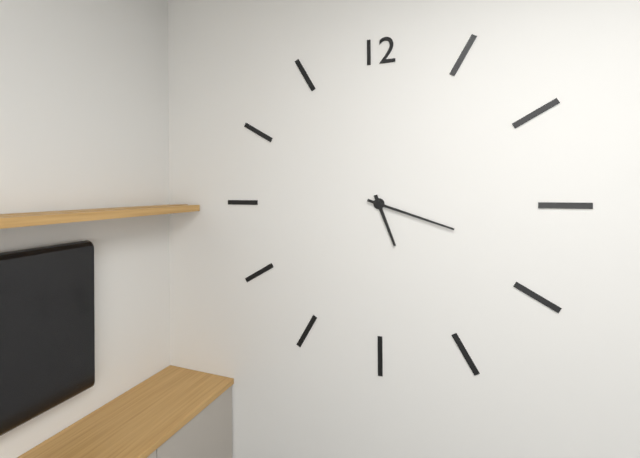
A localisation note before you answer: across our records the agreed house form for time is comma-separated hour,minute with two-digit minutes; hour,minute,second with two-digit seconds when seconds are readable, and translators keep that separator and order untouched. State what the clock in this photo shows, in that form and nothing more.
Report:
5,18
